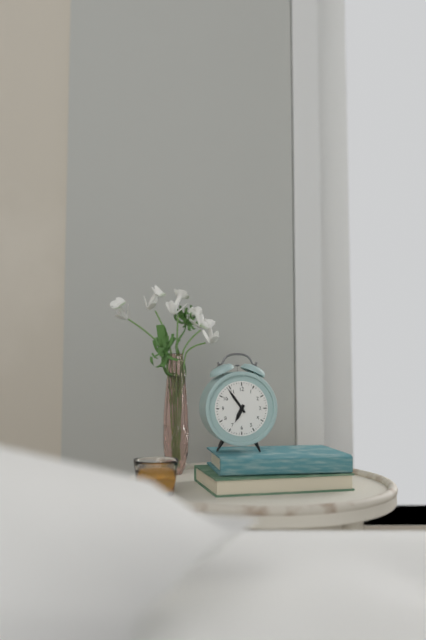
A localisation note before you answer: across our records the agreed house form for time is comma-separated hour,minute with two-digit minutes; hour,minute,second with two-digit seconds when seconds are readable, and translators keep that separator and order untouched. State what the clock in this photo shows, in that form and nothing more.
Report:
6,54
